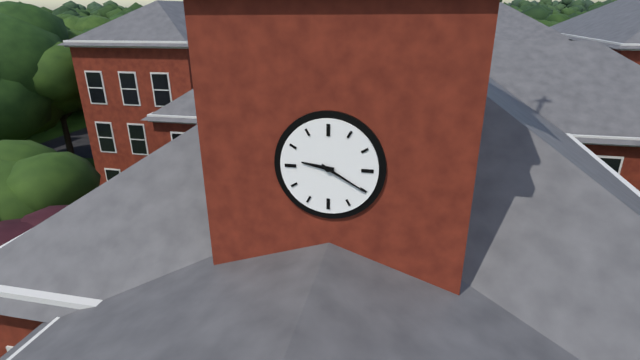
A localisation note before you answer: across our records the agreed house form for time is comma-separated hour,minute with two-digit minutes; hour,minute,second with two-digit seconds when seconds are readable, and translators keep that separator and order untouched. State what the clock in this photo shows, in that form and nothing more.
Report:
9,20
